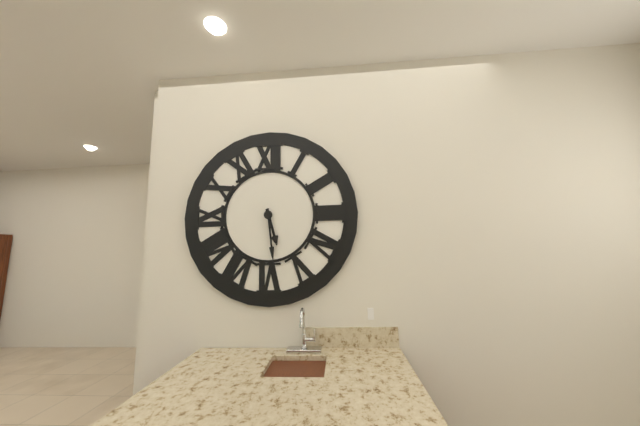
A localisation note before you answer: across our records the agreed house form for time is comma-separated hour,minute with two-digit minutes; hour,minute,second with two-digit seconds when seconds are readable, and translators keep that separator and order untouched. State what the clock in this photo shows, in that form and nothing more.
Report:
5,29
